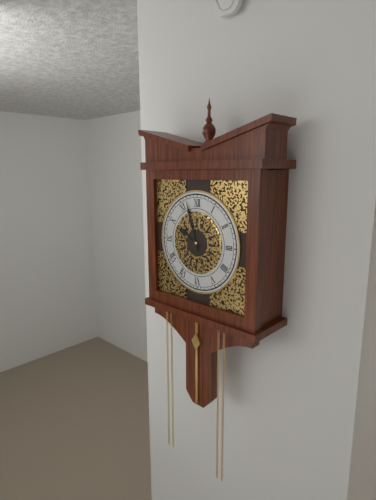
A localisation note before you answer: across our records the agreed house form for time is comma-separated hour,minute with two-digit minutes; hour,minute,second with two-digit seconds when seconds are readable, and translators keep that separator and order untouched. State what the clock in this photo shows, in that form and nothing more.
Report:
9,57
